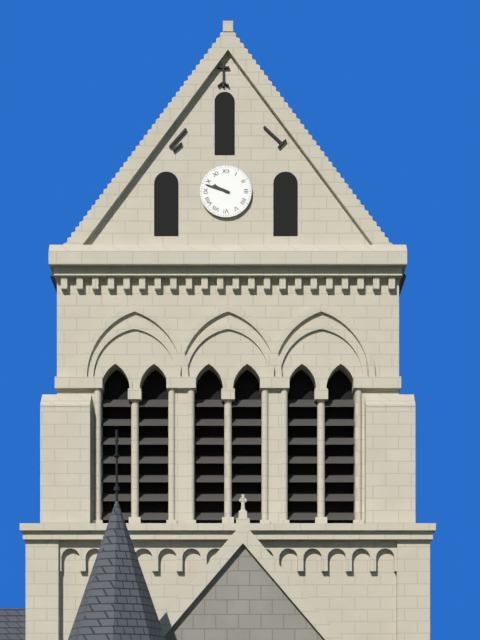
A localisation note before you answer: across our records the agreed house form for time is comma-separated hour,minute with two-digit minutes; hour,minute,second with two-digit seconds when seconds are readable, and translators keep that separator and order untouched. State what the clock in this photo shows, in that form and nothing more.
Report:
9,48
